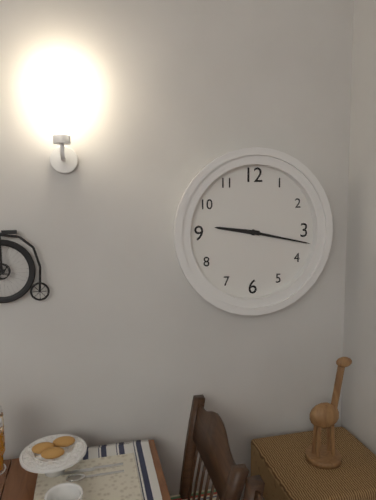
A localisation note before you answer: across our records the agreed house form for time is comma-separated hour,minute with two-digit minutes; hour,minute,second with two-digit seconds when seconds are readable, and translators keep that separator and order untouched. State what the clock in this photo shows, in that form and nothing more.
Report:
9,17
